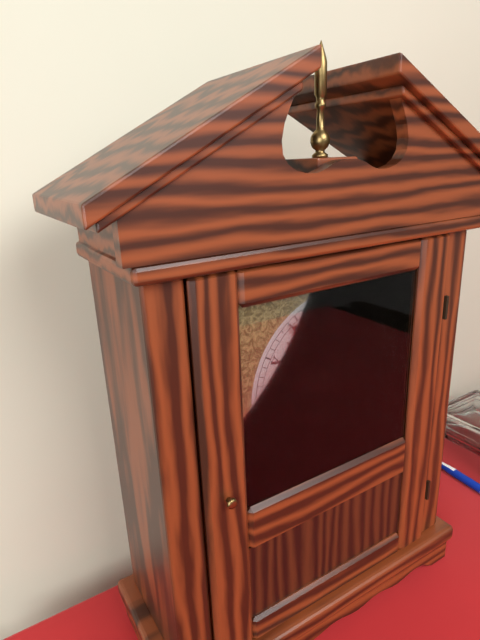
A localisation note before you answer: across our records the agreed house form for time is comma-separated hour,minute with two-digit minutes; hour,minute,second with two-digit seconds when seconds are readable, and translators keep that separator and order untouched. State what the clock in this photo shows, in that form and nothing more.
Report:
10,54
